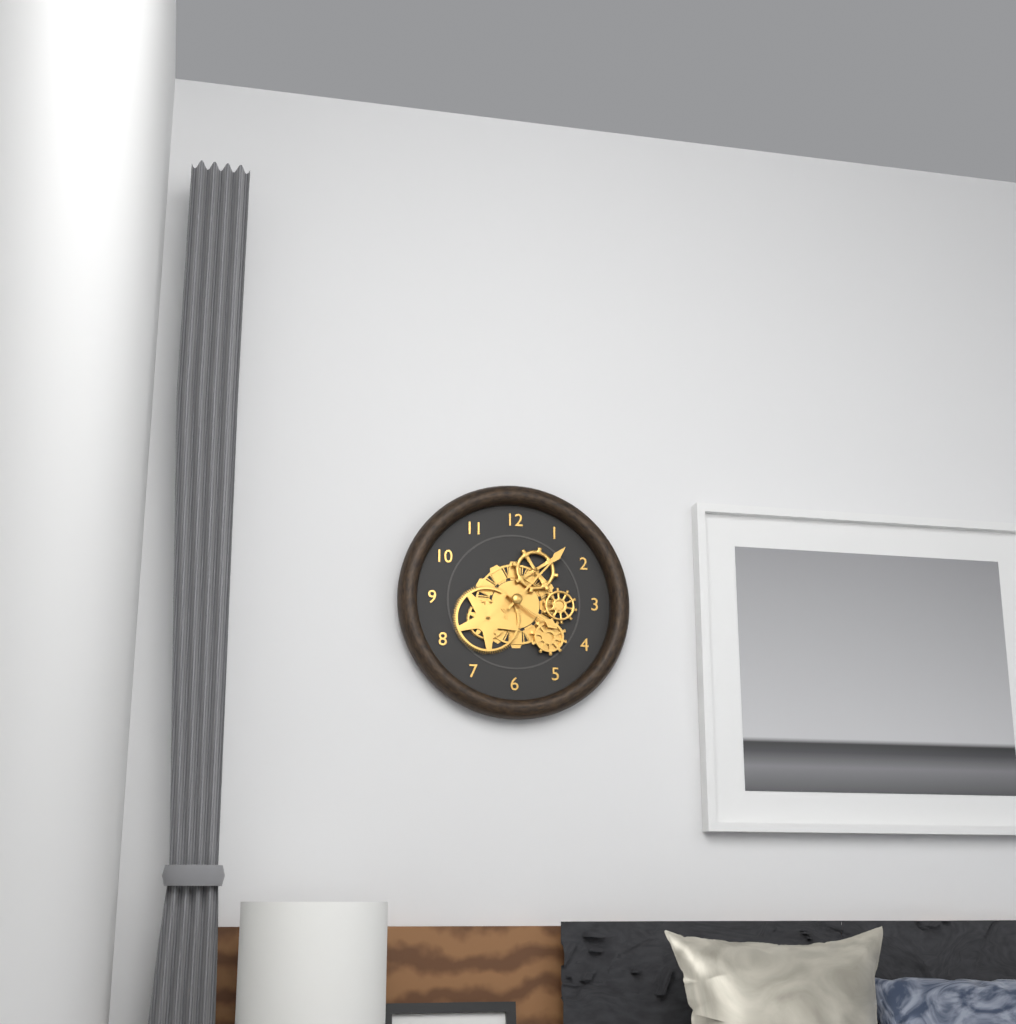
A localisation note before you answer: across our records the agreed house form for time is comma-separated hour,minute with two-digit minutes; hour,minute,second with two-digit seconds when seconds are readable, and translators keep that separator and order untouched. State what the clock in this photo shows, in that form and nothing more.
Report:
4,07
